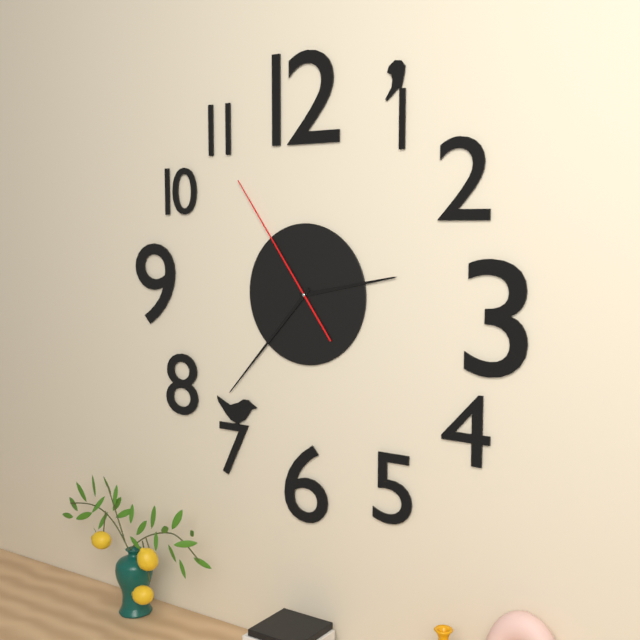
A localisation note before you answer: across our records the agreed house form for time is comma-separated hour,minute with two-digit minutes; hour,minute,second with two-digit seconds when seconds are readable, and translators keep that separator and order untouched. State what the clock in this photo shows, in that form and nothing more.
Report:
2,37,54
